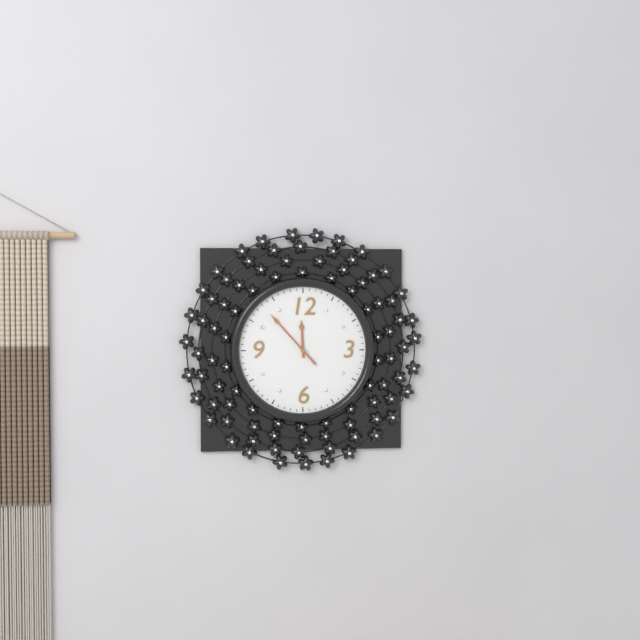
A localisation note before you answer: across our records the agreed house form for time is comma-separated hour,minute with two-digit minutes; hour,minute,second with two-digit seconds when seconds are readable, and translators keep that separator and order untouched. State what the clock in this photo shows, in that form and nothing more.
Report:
11,53
